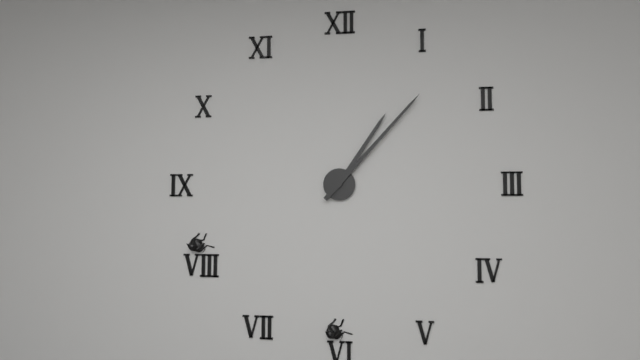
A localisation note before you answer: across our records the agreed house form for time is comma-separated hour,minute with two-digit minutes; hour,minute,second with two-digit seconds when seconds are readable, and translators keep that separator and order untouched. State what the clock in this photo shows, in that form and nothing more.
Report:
1,07
